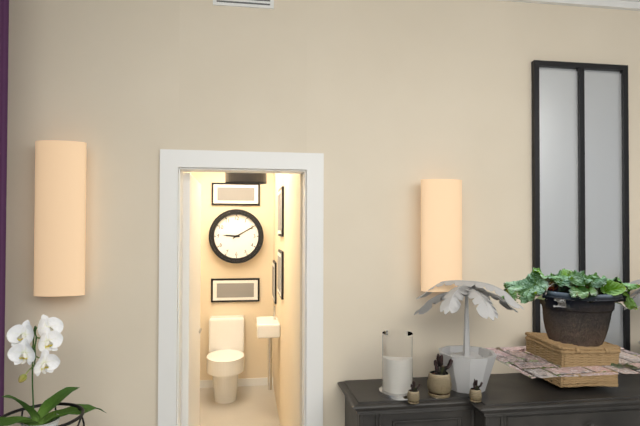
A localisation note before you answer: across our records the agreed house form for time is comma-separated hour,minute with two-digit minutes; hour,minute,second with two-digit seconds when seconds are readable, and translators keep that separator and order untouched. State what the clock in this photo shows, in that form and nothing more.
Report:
9,10
